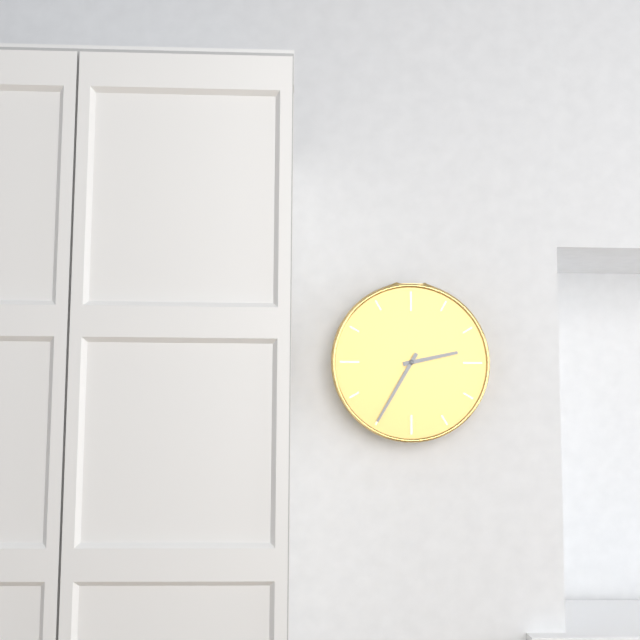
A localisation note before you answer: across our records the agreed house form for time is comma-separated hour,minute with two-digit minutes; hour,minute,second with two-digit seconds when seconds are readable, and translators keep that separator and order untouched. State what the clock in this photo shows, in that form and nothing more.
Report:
2,35
